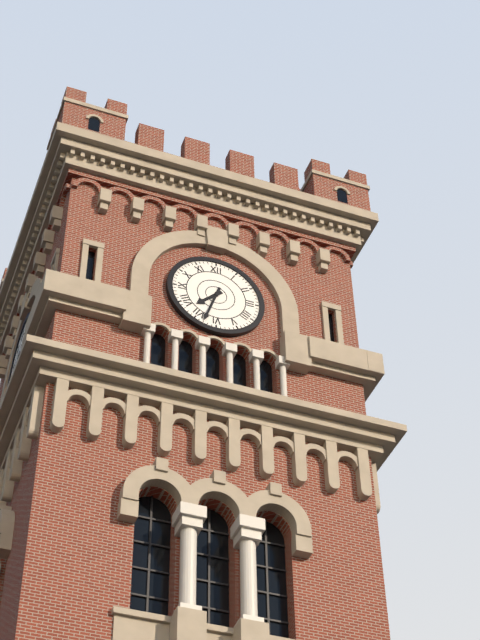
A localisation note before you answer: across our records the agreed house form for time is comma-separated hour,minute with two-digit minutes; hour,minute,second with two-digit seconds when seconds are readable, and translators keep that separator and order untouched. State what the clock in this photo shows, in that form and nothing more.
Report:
7,33
